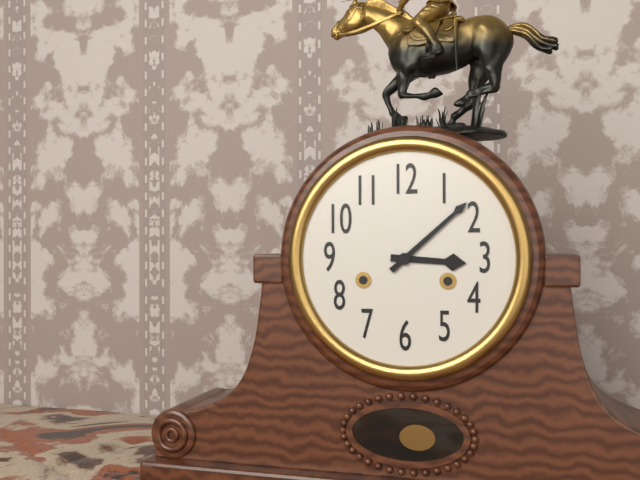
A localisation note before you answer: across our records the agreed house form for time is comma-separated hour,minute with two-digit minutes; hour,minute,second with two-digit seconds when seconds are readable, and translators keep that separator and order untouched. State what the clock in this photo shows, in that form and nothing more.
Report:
3,08
